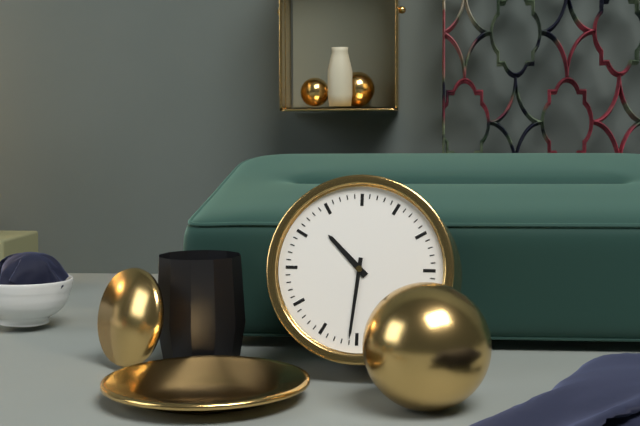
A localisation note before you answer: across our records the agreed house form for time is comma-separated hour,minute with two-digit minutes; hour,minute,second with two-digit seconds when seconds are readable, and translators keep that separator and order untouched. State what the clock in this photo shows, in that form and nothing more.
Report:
10,31
